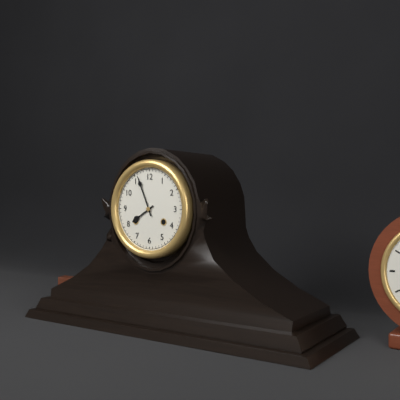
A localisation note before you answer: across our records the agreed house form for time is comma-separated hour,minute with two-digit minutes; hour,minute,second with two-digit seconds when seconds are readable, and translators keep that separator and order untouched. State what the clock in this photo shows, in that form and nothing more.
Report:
7,56
